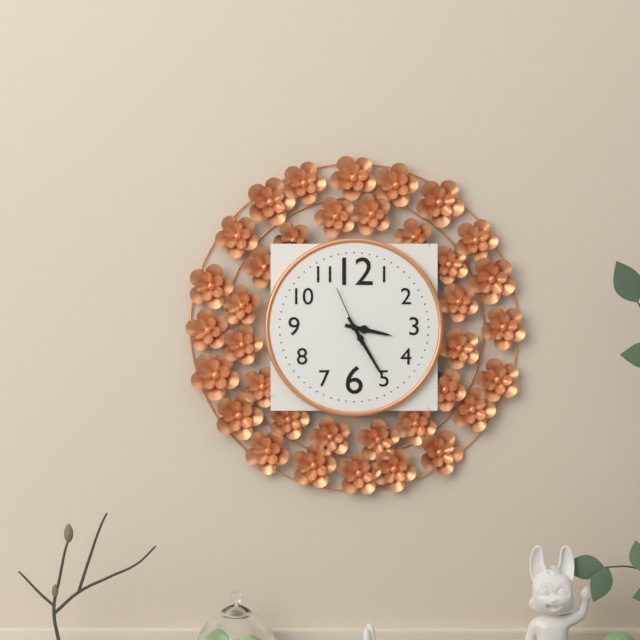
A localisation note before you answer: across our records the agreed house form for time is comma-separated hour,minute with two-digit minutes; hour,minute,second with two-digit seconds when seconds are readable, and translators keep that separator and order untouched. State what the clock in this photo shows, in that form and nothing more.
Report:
3,25,56
